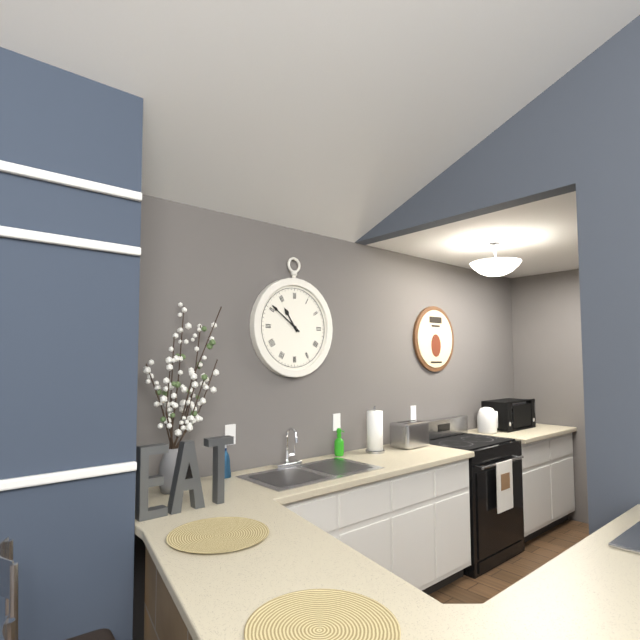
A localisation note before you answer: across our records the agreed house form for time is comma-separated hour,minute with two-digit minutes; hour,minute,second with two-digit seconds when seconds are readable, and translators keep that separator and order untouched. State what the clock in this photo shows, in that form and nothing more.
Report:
10,51
